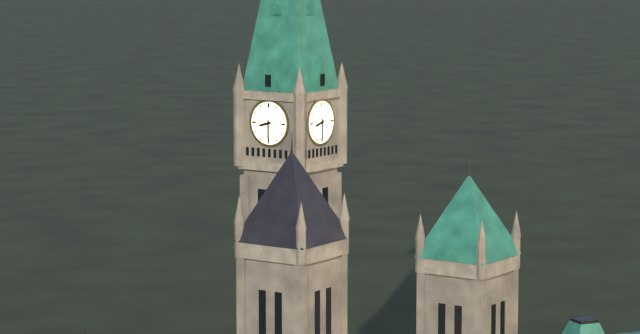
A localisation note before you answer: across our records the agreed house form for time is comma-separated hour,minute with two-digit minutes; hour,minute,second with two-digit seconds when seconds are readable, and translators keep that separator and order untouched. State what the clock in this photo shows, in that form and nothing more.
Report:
8,30
